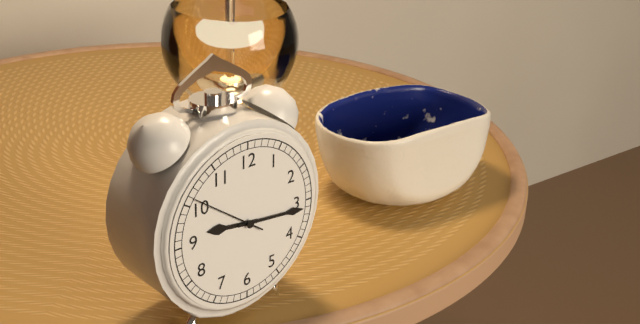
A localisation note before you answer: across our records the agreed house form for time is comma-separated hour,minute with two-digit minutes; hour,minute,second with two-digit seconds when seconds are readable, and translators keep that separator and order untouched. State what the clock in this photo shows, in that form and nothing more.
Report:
9,16,51
